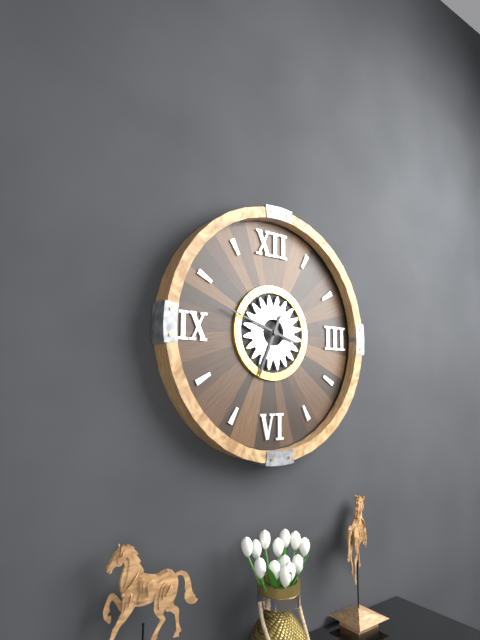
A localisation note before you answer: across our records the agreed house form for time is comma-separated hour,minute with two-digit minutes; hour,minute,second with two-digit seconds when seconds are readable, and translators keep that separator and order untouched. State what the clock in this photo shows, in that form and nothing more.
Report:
6,48
